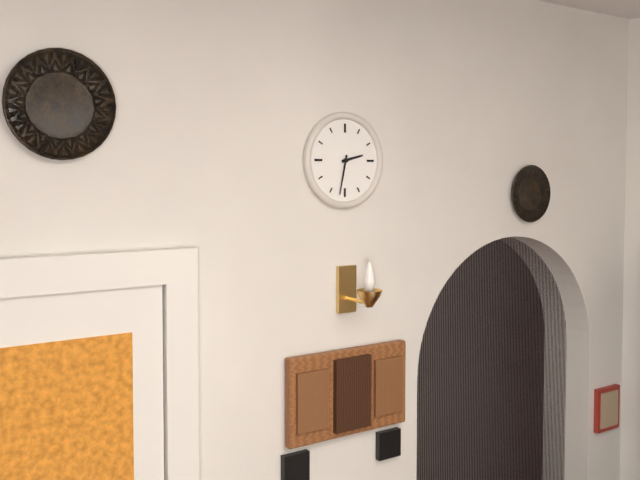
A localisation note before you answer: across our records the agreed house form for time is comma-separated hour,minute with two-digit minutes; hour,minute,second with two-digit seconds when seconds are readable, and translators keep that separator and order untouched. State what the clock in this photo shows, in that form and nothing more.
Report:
2,32
